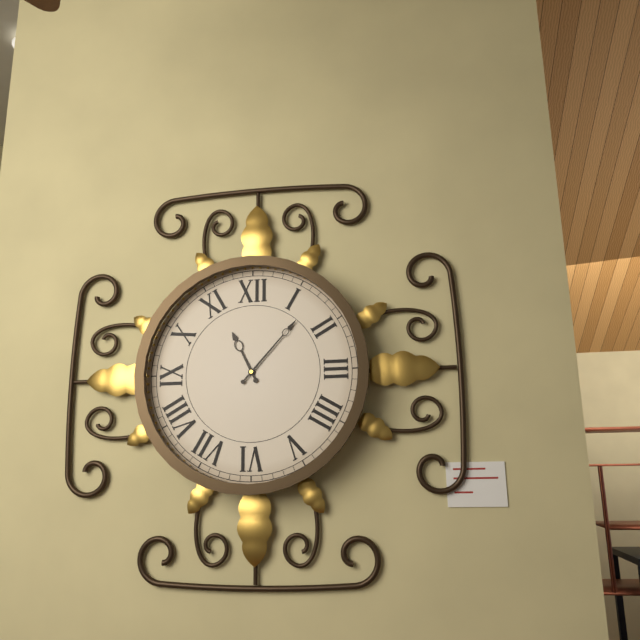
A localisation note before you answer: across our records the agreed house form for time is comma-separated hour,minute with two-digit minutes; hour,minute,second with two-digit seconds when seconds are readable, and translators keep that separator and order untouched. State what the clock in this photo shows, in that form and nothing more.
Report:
11,07
